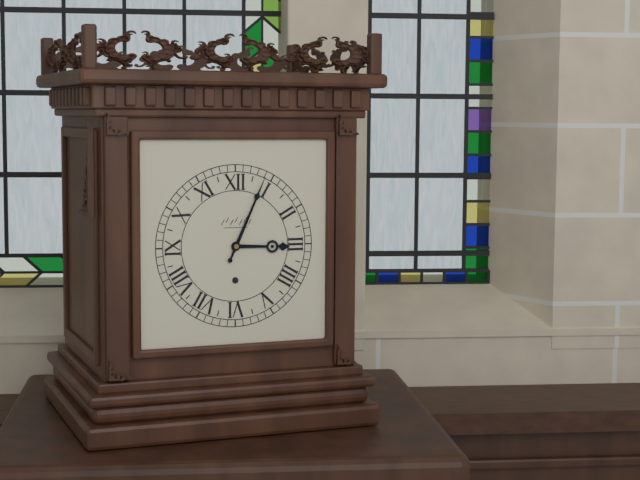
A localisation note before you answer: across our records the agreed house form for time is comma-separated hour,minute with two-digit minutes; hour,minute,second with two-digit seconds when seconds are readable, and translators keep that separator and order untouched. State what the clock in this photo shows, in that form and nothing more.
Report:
3,04
